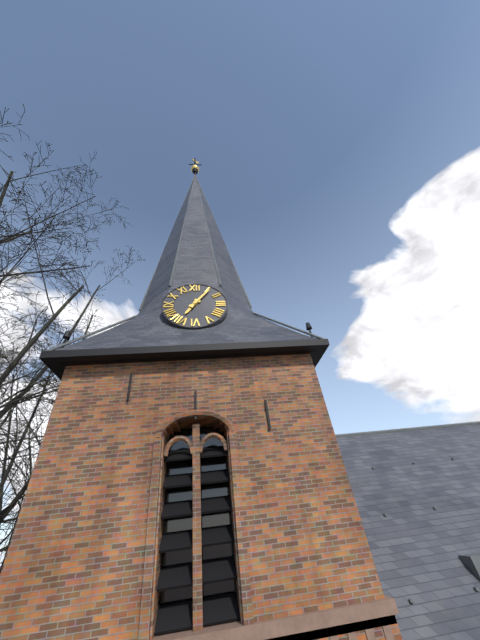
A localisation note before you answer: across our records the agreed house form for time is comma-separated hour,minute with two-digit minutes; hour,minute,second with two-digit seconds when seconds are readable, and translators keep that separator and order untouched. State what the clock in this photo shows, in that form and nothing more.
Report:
7,06
